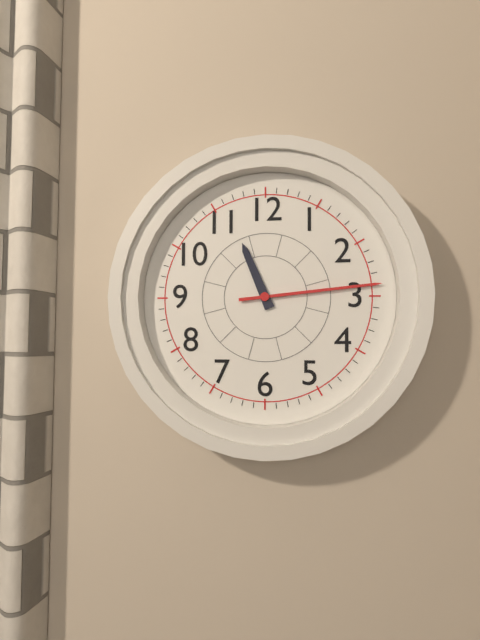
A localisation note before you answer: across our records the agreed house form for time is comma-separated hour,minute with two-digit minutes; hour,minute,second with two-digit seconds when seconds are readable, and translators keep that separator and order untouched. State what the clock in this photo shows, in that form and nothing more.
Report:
11,14
